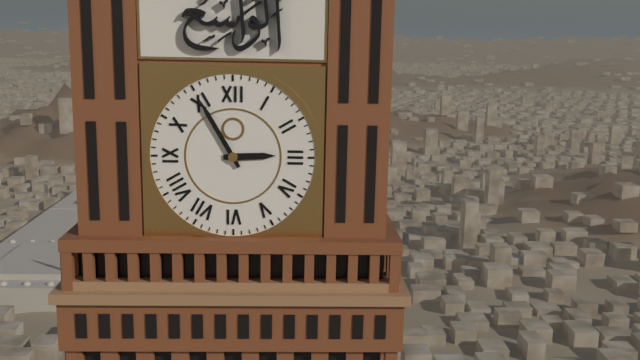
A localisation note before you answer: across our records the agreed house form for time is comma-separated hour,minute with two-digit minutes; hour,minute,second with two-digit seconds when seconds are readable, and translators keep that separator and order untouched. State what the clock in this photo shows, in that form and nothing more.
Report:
2,55
